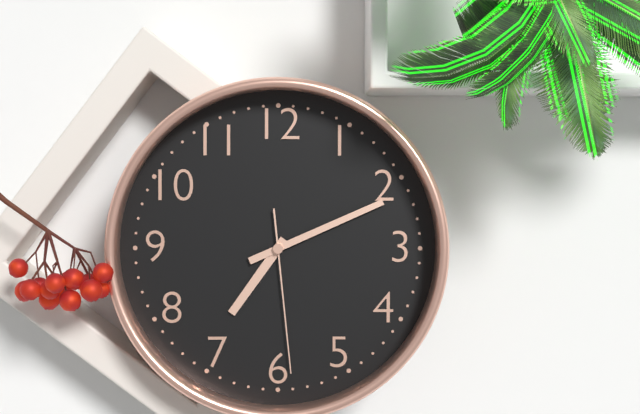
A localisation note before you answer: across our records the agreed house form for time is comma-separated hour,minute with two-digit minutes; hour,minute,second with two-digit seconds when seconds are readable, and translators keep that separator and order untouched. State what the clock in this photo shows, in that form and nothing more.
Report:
7,11,29
